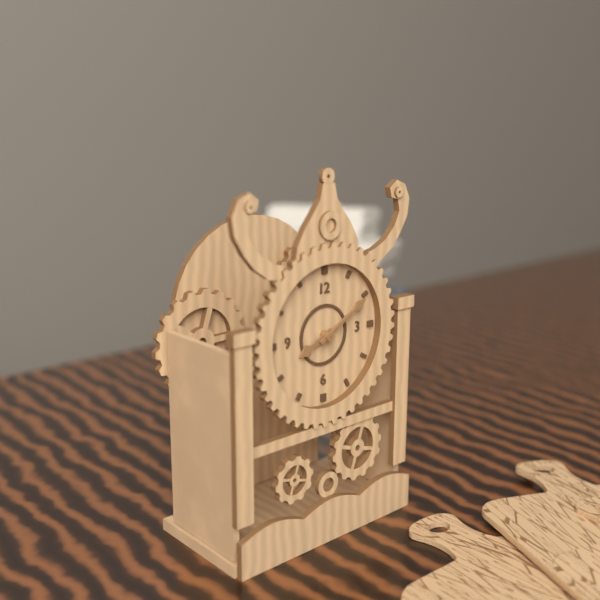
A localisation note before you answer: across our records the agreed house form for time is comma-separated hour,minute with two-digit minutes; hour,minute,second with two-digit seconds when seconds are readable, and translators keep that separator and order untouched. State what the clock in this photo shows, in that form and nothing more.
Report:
8,10
